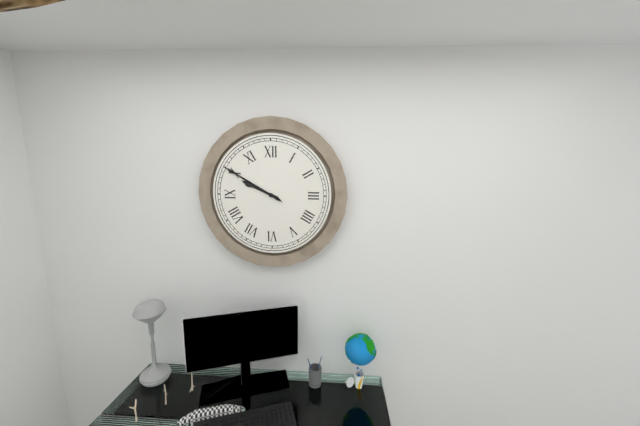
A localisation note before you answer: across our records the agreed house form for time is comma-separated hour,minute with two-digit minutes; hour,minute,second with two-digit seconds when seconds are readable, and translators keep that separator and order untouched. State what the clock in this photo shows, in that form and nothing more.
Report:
9,50
